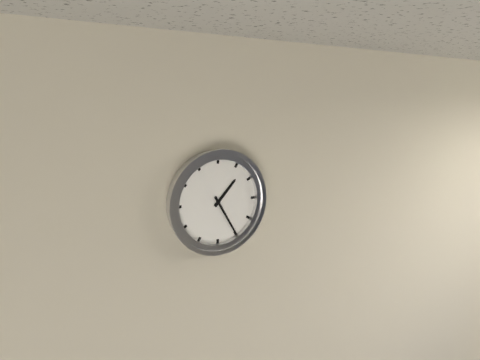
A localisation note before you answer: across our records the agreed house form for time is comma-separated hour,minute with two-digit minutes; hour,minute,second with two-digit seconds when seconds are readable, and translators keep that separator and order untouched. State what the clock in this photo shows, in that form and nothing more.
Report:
1,25
